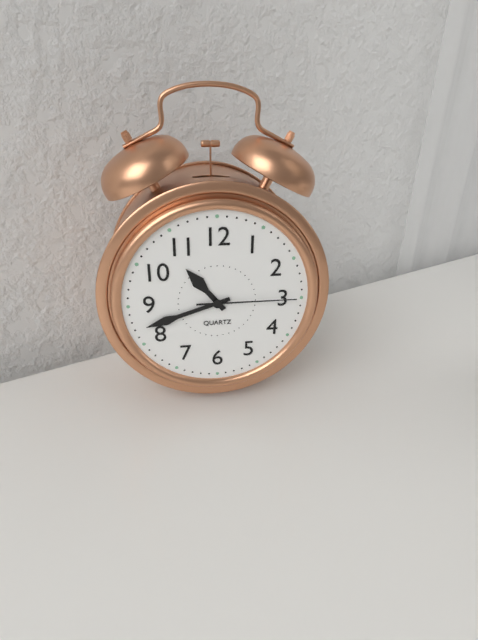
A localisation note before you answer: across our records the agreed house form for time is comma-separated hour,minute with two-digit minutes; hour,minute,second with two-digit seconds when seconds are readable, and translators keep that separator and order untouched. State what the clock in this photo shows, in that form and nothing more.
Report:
10,42,15
